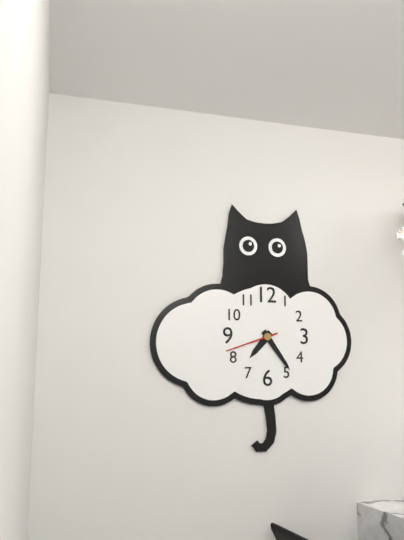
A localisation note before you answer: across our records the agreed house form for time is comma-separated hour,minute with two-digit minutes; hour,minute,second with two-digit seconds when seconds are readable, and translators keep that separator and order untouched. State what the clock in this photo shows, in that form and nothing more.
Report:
7,24,42
